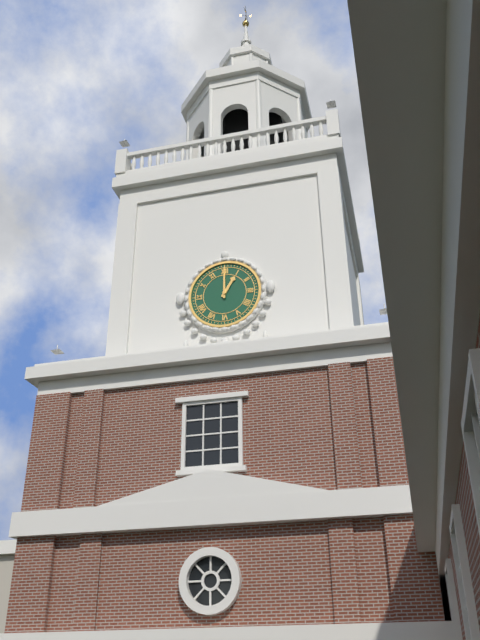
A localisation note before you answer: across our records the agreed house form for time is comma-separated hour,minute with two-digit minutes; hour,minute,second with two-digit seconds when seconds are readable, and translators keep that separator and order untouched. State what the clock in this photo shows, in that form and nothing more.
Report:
1,00
